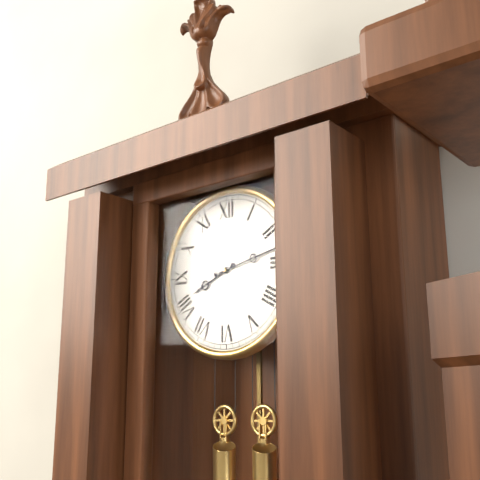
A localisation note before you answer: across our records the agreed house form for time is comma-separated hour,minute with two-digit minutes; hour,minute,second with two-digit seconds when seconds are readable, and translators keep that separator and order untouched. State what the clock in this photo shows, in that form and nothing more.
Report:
8,13
